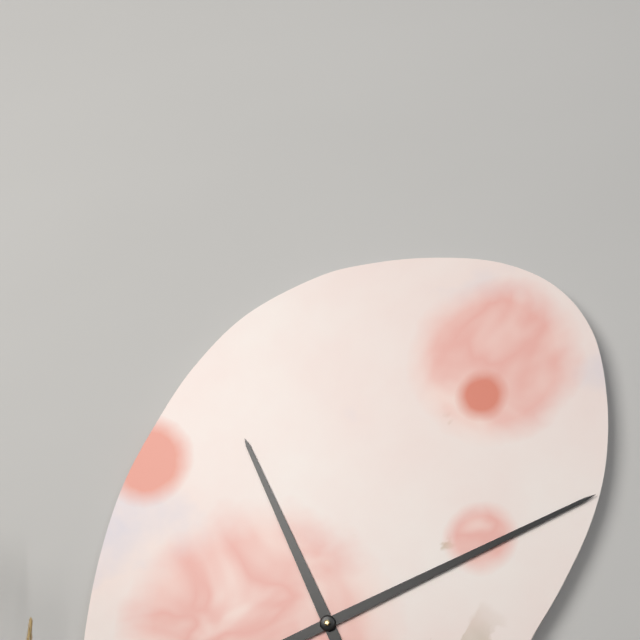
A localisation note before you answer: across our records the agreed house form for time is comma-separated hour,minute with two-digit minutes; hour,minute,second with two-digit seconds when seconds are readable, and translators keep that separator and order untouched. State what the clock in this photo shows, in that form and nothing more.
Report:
11,11
